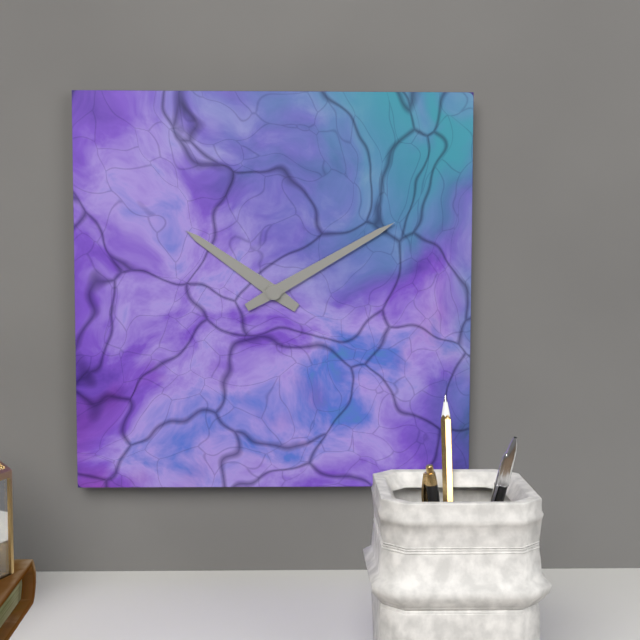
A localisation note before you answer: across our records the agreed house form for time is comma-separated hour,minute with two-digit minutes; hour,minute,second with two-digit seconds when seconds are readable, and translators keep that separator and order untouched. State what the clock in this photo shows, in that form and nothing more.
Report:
10,10
